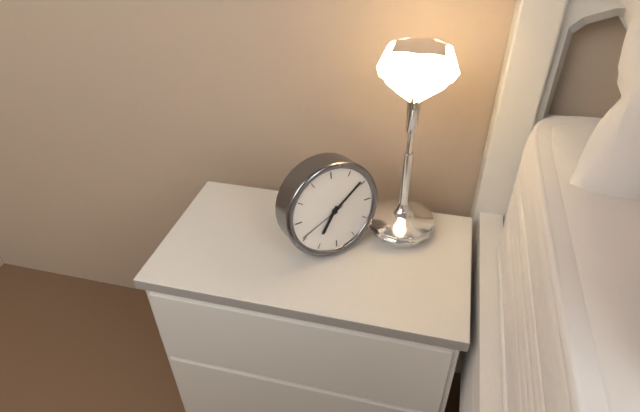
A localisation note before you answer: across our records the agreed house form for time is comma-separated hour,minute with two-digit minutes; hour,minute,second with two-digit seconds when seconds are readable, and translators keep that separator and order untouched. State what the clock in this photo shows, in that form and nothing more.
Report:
7,09,41
